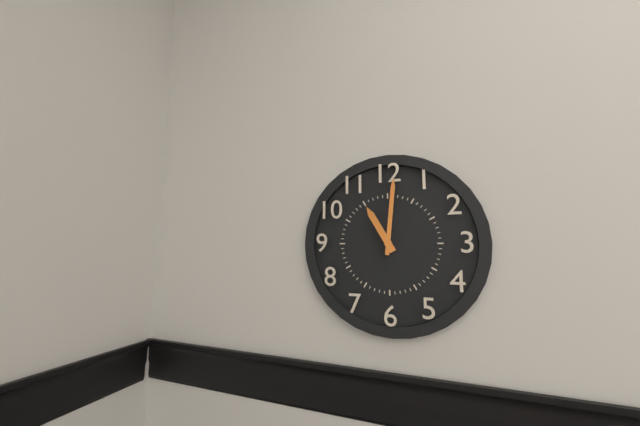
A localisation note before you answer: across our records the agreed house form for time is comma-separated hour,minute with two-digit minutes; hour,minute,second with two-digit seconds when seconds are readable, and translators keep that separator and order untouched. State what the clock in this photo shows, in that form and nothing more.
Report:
11,01
